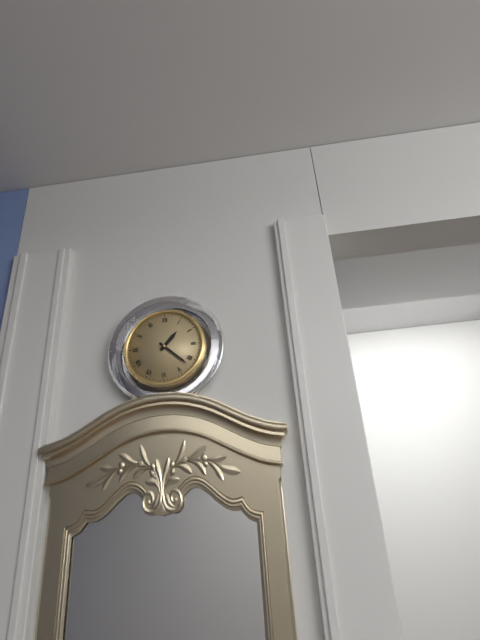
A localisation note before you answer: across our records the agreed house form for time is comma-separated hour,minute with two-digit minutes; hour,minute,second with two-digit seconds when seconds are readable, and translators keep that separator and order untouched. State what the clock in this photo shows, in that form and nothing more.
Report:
1,22
